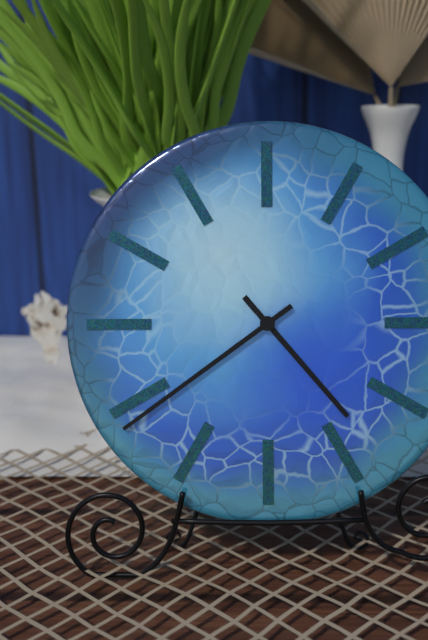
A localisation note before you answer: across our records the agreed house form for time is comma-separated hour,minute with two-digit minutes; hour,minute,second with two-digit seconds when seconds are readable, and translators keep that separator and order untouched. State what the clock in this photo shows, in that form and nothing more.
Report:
4,39
